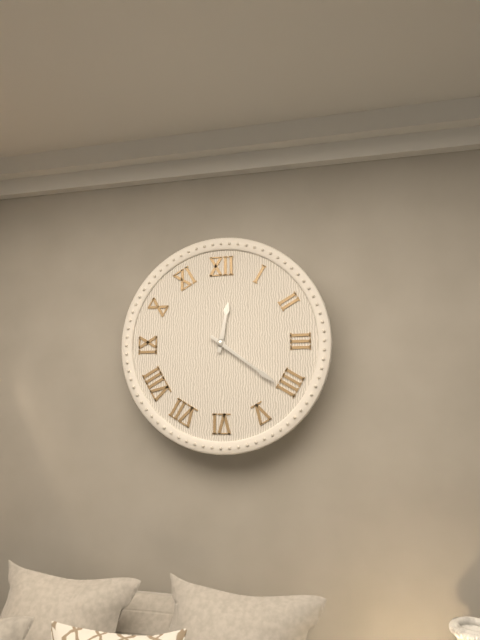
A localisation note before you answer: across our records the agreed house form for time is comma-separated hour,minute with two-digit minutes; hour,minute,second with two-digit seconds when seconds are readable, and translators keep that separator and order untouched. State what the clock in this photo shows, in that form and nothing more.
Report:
12,21
